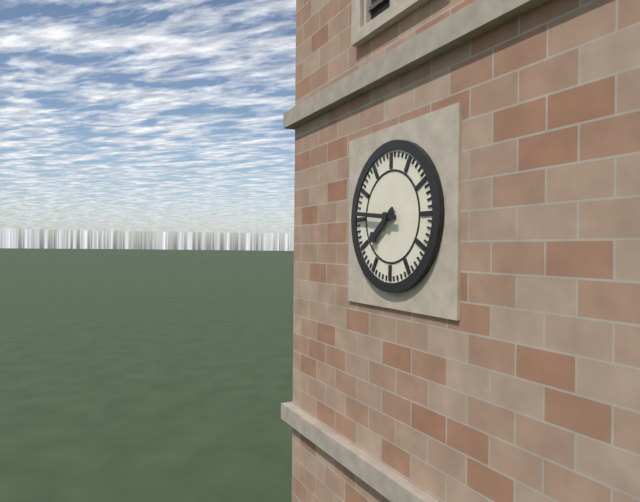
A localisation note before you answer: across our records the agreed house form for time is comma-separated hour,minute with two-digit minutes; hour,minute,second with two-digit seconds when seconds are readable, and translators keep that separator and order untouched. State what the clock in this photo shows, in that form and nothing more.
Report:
7,46
